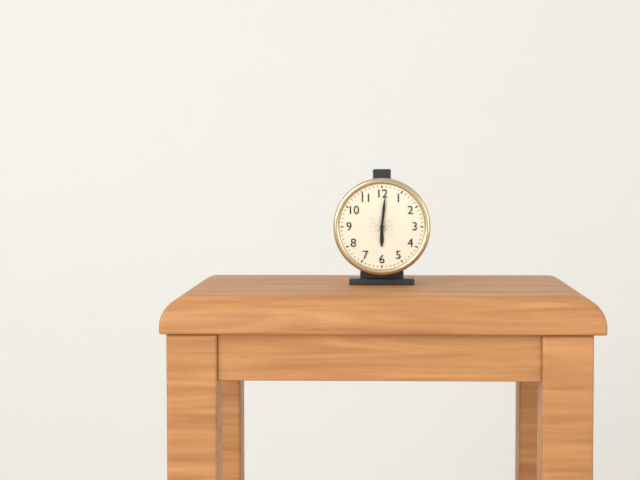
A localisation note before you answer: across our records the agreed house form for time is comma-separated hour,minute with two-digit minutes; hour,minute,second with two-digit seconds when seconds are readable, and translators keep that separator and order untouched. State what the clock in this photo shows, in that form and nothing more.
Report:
6,01
